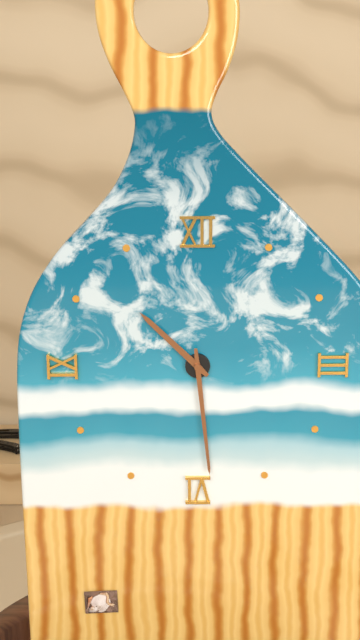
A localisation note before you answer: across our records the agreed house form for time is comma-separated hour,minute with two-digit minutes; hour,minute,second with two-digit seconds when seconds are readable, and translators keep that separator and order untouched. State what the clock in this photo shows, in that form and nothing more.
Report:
10,29
